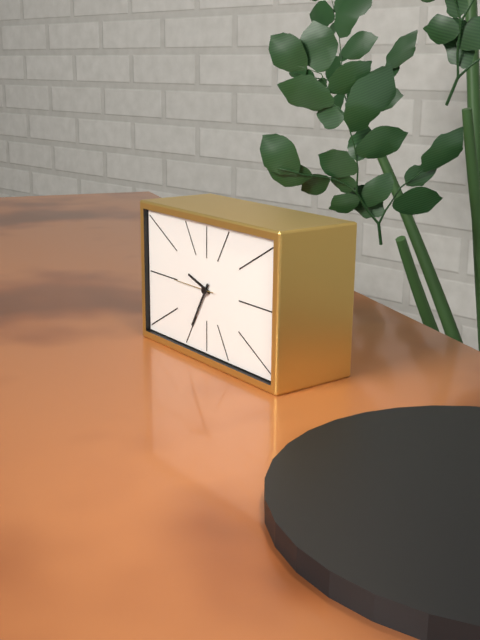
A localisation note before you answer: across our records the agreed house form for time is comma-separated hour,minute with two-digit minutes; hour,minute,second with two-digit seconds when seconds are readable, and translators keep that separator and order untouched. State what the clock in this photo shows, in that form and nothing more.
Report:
9,35
